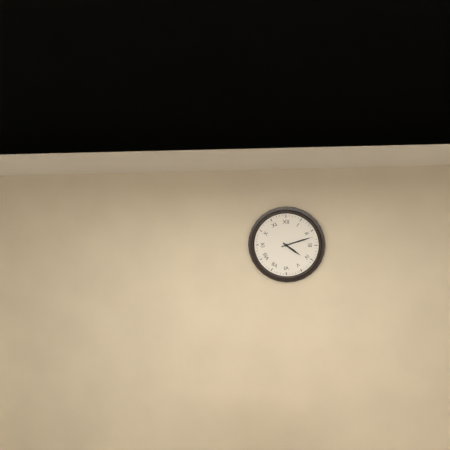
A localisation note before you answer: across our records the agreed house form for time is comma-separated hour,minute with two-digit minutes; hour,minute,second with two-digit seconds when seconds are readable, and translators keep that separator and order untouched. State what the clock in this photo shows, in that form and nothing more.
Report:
4,12
